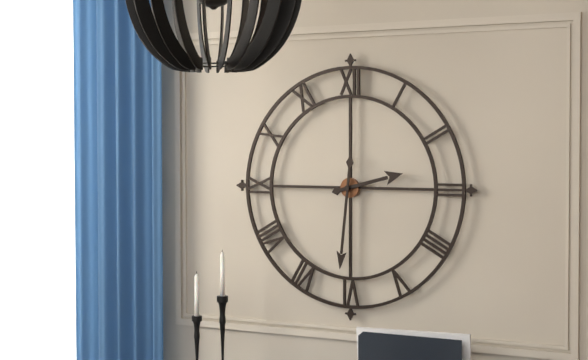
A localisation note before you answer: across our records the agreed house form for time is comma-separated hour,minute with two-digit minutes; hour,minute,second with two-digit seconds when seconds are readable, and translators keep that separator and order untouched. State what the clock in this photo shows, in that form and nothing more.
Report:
2,31
